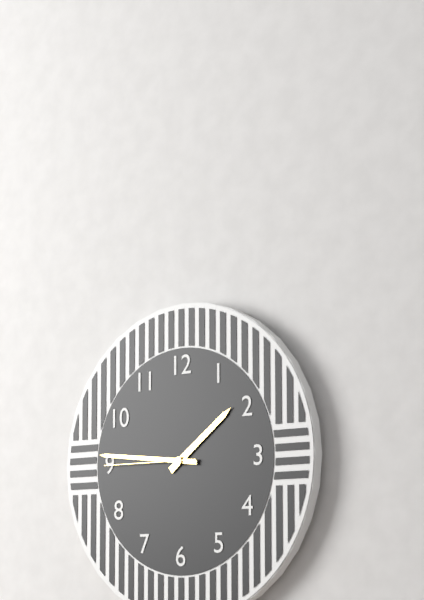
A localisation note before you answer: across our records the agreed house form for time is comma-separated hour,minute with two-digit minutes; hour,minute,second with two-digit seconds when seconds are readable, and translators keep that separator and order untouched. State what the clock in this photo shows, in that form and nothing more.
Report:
1,46,45
